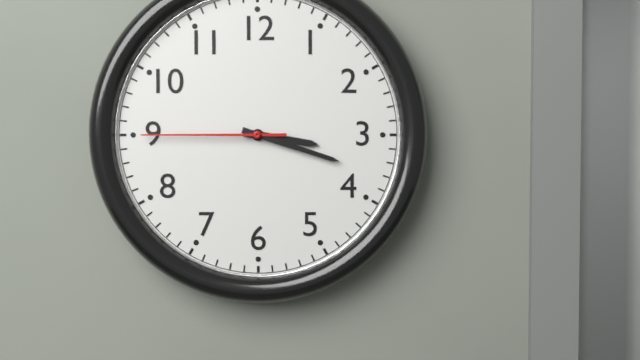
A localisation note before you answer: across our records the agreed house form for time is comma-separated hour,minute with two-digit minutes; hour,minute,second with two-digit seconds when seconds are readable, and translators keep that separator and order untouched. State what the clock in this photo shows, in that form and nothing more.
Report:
3,18,45
